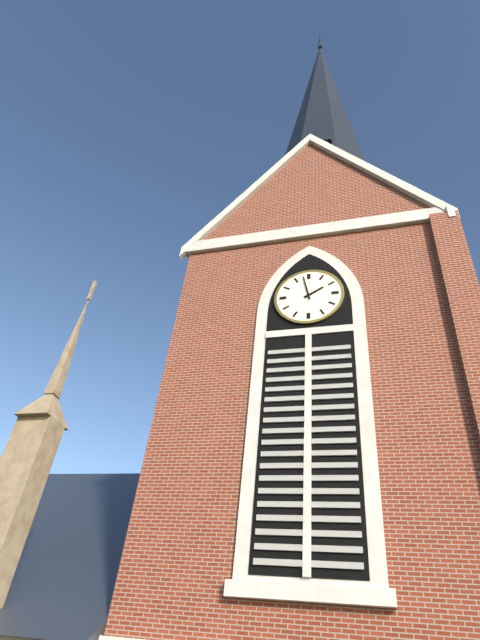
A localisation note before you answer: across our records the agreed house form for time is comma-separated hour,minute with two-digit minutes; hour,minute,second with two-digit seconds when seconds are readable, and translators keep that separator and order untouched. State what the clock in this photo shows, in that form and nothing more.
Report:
1,58
